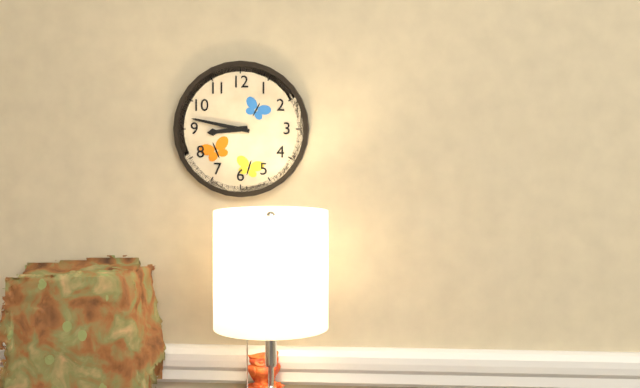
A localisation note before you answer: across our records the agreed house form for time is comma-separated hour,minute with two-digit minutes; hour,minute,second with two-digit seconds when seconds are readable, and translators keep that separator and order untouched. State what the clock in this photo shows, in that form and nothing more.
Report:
8,47
